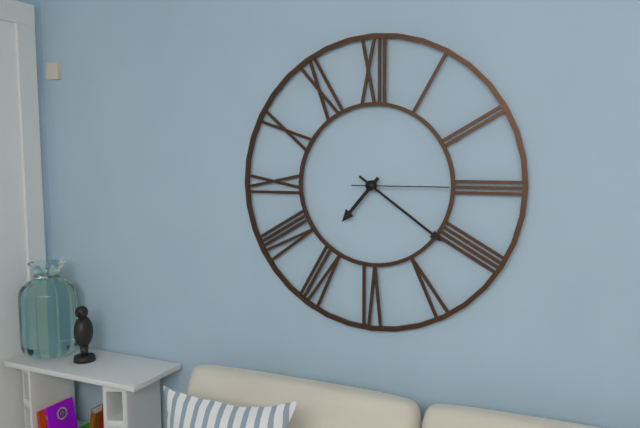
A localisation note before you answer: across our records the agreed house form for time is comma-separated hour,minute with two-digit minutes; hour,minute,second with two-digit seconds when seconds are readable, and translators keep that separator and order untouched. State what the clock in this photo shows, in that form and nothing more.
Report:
7,21,15
